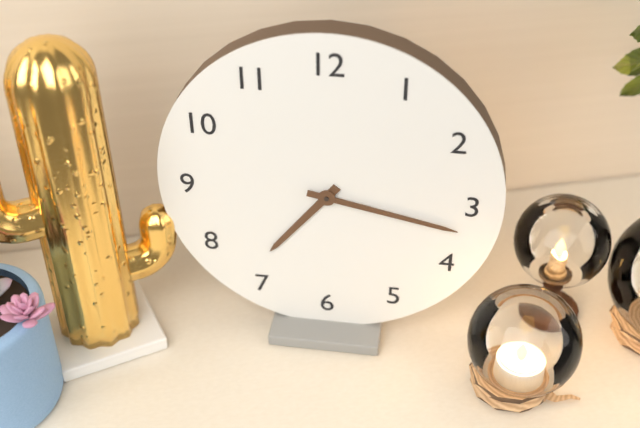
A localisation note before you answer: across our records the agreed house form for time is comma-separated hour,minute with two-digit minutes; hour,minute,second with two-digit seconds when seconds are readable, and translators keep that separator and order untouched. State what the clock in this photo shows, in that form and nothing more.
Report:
7,17
